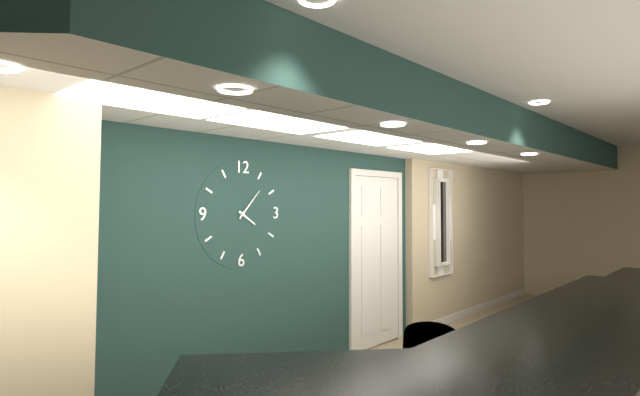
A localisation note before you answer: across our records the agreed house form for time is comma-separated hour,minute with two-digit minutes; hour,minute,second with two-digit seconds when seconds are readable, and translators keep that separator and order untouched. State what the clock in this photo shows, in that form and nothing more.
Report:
4,07
